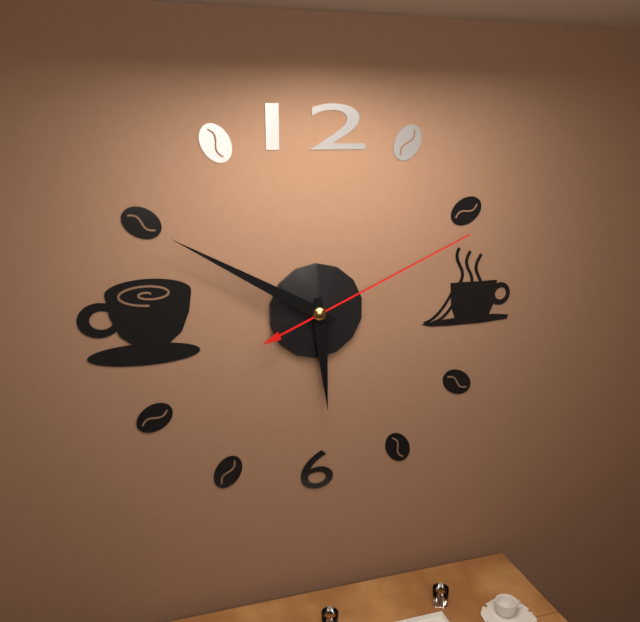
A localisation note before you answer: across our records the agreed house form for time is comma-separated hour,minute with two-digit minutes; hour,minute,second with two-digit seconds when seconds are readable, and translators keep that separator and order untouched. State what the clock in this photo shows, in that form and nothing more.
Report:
5,50,11
